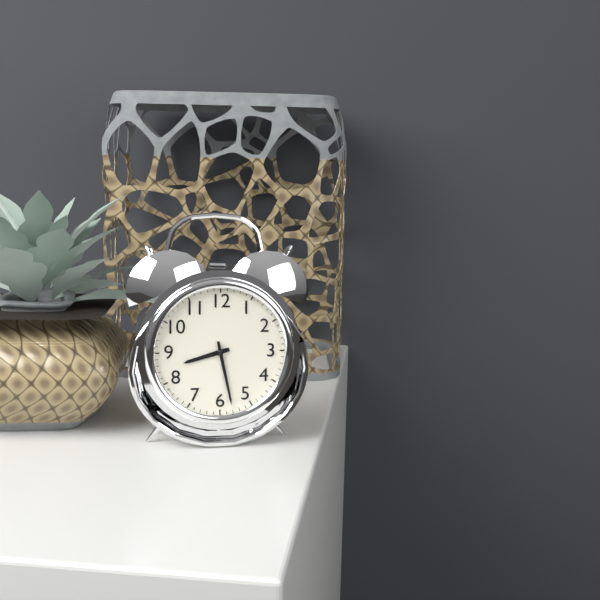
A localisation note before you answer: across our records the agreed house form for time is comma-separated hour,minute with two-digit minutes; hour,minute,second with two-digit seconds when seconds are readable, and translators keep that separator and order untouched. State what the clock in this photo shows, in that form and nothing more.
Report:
8,28
